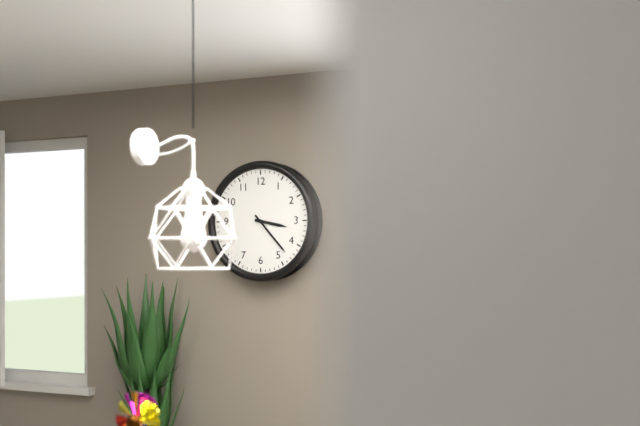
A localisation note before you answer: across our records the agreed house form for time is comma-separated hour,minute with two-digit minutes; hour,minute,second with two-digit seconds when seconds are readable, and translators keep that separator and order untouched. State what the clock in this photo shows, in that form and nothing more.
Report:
3,23
